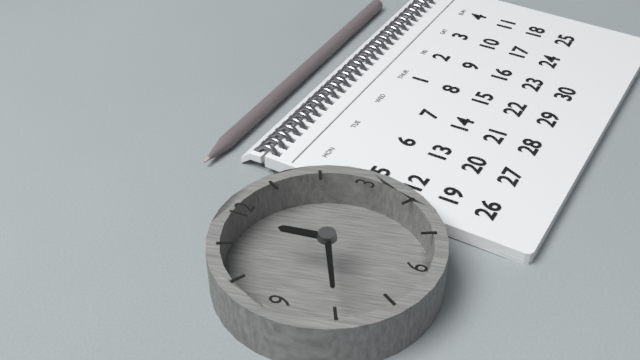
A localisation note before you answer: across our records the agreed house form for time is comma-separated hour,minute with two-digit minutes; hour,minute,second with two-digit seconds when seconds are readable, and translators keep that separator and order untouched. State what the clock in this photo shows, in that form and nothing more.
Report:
11,40
